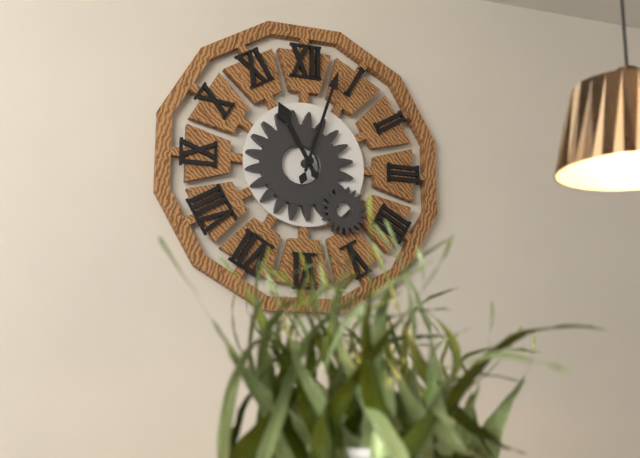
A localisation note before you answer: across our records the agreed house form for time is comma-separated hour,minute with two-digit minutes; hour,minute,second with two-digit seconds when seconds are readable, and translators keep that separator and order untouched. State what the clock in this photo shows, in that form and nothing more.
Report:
11,03
